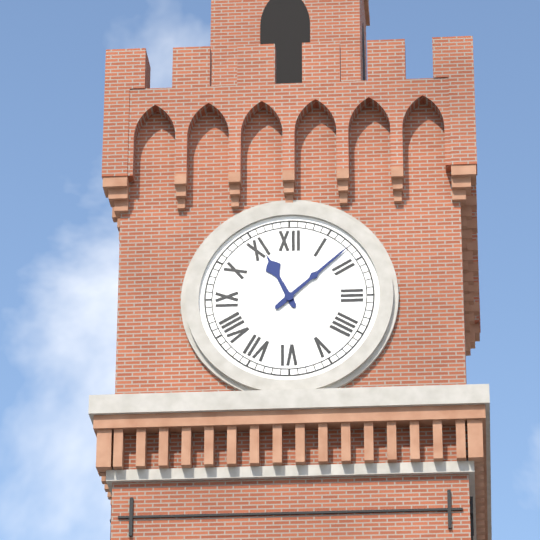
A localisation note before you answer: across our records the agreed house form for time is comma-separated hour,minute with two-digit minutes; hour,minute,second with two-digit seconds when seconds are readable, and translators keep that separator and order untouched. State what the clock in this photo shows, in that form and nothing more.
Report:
11,08
